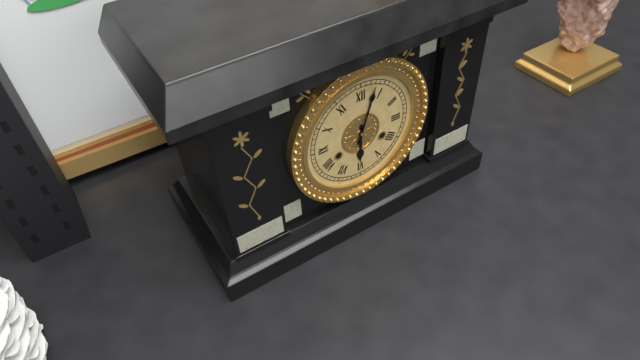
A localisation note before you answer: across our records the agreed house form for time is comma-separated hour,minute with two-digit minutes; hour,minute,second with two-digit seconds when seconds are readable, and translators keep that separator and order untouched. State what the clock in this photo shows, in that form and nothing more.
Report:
6,03
